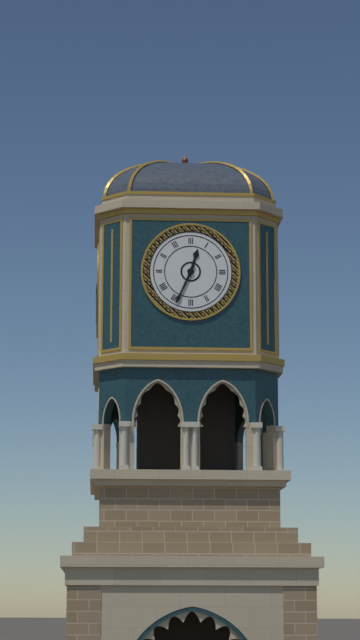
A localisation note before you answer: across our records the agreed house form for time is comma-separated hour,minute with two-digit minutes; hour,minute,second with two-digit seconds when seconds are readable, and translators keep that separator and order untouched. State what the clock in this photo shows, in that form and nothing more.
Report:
12,34
